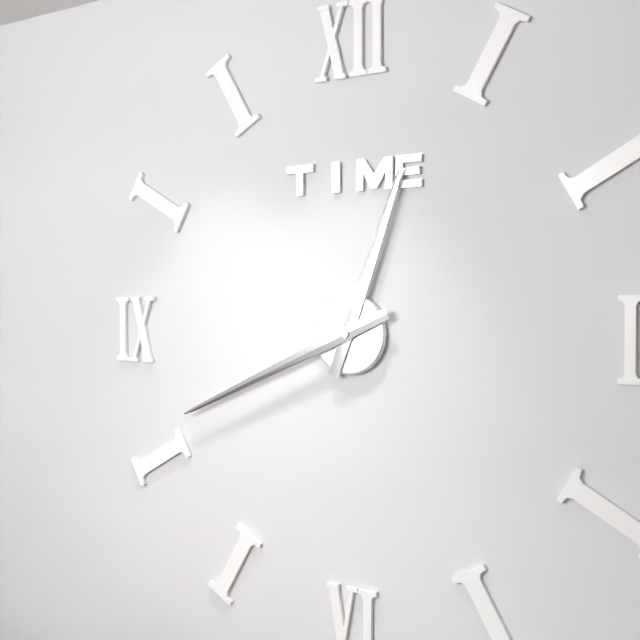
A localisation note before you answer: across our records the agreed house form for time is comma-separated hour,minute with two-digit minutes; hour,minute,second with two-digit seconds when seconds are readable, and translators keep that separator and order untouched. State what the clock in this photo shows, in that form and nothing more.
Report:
12,41
